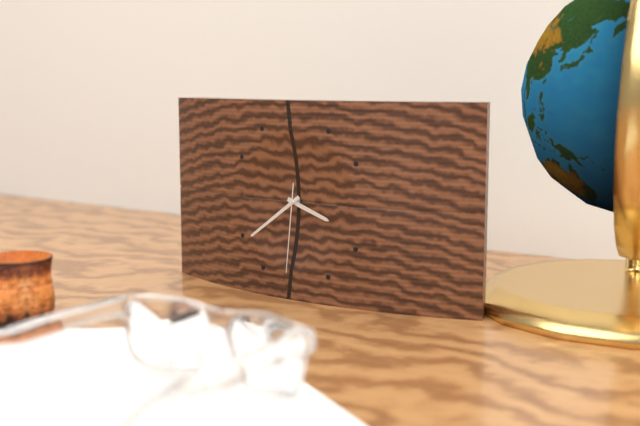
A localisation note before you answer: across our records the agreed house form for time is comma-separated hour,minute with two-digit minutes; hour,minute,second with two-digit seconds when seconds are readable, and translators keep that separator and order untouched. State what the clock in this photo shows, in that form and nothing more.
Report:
3,39,31
